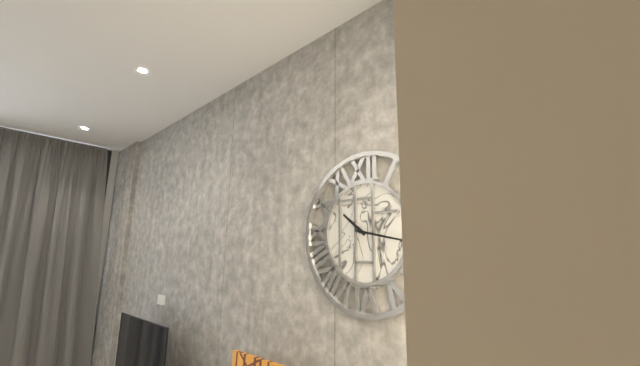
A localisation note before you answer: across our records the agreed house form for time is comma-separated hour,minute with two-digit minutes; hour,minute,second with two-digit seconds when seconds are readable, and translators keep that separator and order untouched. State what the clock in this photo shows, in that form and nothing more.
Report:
10,17
